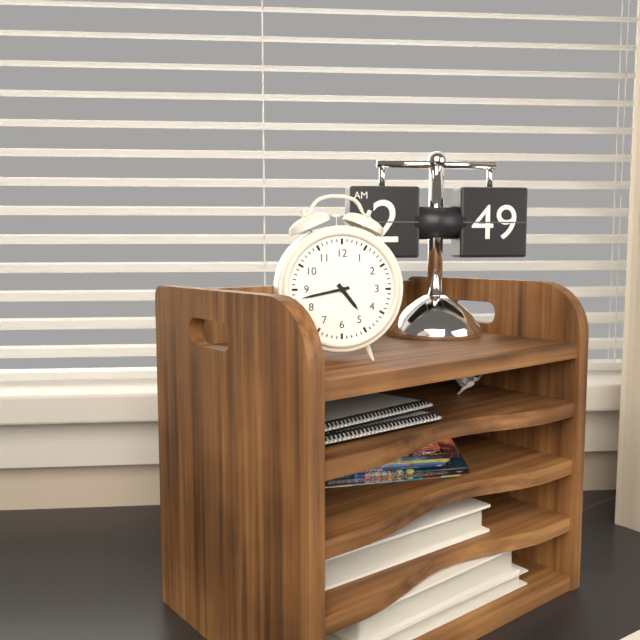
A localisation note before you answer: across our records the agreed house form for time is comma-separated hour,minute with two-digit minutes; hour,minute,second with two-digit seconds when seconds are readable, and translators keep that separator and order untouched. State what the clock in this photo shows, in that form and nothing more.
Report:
4,43
